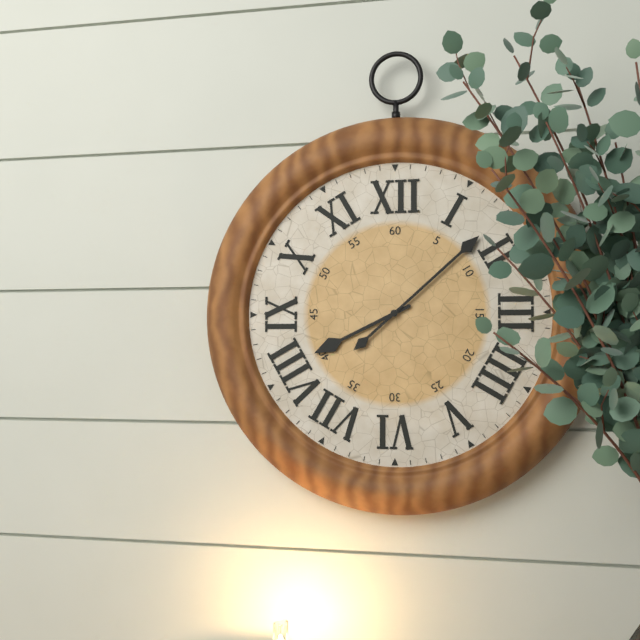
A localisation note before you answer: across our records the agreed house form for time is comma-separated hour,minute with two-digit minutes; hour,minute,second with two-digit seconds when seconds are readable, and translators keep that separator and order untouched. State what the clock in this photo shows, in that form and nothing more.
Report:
8,08
